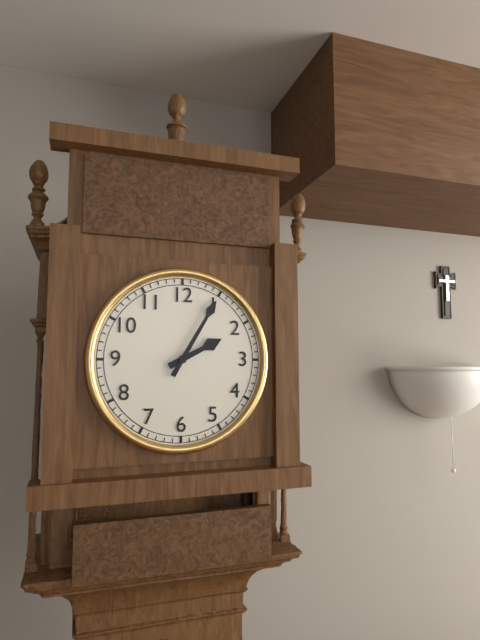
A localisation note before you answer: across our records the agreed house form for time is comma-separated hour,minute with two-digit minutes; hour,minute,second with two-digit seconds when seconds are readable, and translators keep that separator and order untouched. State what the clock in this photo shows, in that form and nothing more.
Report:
2,05
